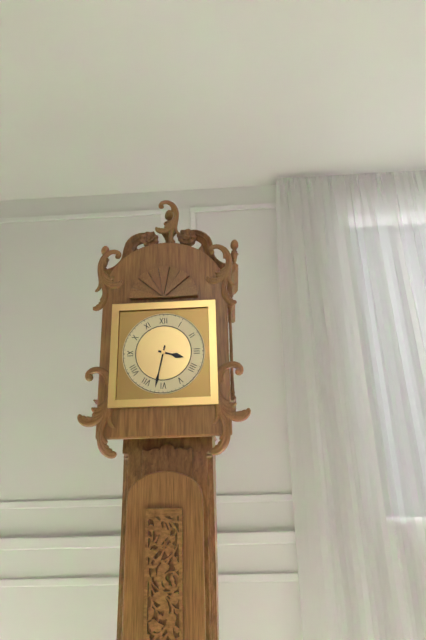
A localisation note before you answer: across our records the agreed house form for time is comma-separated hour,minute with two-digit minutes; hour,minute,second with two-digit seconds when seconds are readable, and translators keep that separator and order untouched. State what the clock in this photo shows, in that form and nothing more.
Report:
3,32
